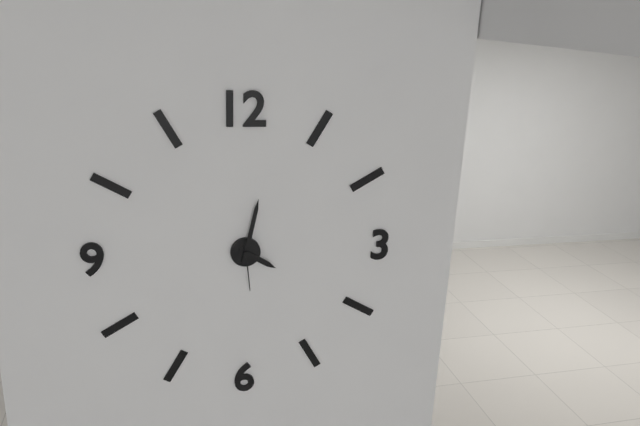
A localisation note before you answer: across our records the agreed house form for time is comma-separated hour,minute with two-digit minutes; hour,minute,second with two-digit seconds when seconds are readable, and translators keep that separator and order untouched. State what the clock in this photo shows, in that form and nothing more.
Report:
4,02
